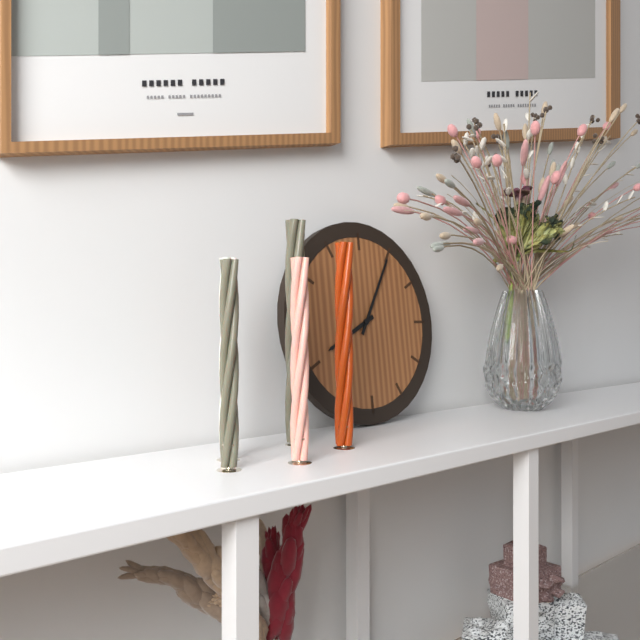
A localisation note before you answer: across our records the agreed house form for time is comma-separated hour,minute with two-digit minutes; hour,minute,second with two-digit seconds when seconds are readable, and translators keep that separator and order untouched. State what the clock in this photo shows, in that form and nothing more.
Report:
8,05
